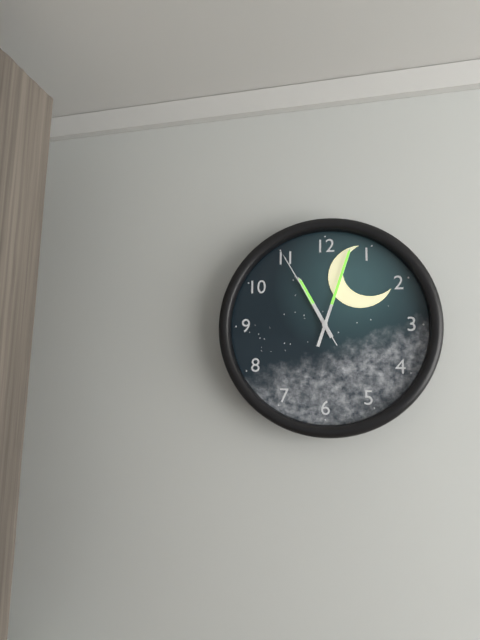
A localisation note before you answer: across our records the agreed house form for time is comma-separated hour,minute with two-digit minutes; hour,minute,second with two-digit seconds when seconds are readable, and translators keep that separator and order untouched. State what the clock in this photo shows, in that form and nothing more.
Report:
11,03,55
